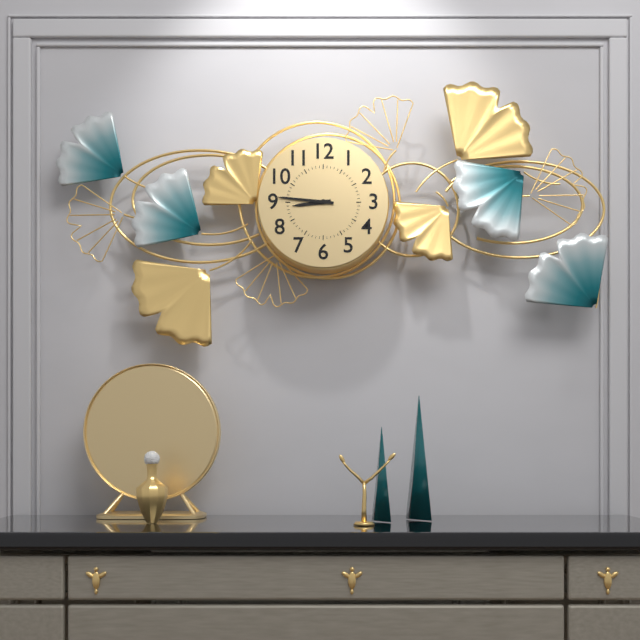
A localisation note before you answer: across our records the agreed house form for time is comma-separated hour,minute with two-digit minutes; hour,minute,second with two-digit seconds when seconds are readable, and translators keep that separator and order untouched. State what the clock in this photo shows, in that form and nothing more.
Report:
8,46
